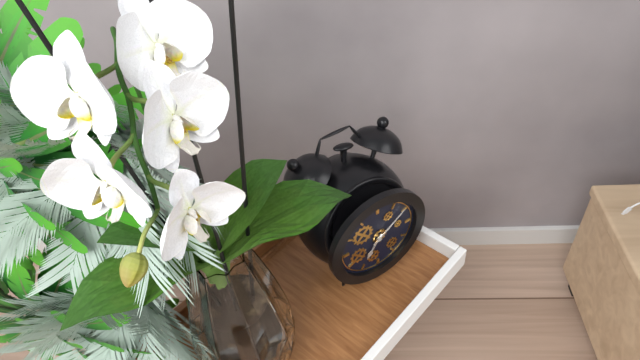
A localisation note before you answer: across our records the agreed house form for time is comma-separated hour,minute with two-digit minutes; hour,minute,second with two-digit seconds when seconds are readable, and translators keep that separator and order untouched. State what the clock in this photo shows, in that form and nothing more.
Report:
7,09
